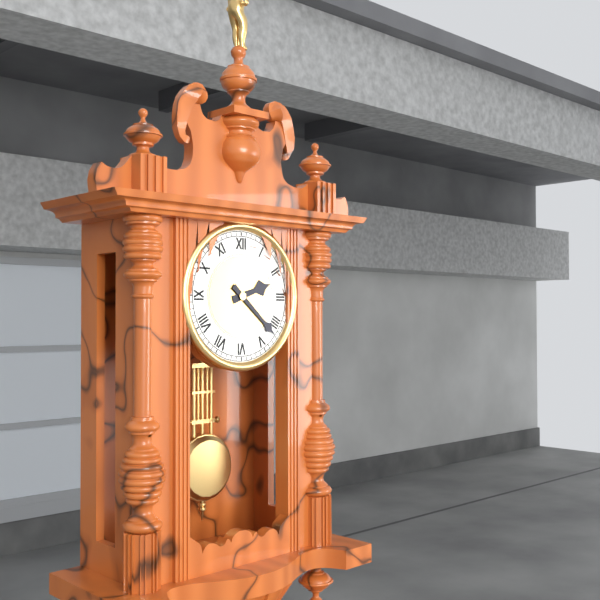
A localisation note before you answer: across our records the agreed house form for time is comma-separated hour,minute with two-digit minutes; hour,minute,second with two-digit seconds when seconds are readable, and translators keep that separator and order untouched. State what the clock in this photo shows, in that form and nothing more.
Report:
2,22
